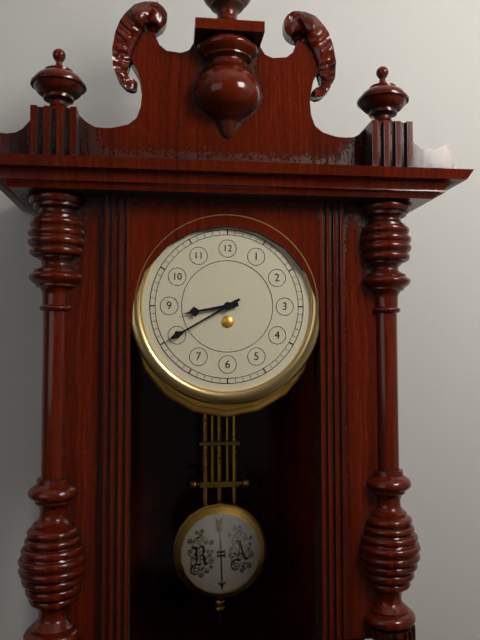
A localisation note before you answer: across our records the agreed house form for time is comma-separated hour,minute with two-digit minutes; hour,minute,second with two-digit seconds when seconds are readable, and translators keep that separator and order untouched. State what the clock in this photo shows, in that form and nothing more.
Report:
8,40
